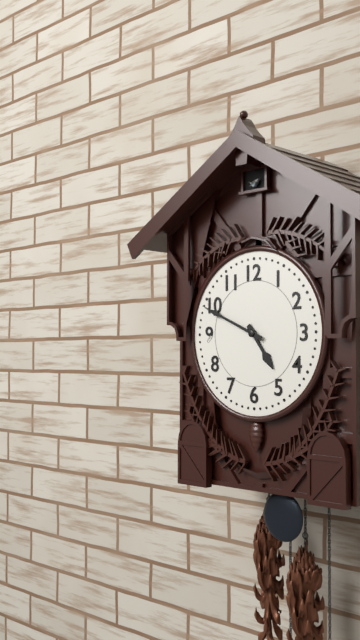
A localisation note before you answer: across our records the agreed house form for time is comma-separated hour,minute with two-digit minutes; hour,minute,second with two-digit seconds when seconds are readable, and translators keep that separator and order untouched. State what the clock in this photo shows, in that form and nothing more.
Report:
4,49
